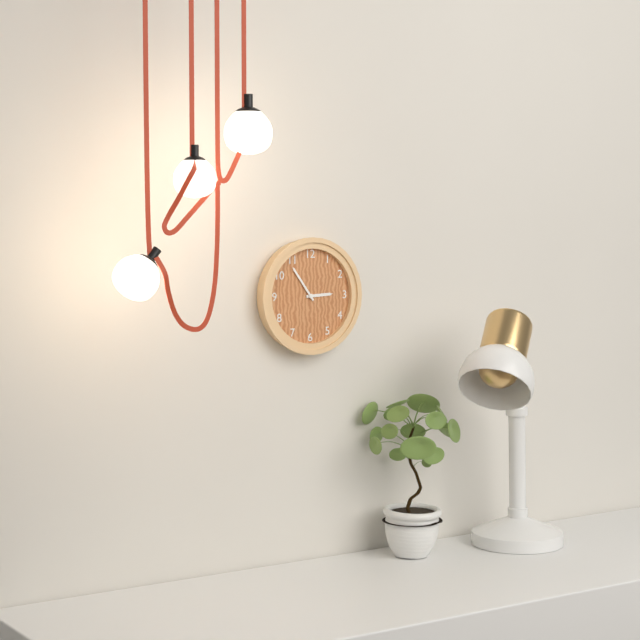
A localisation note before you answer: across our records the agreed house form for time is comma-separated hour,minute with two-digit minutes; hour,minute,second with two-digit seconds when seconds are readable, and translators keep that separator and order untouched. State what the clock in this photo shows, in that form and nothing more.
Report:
2,54
